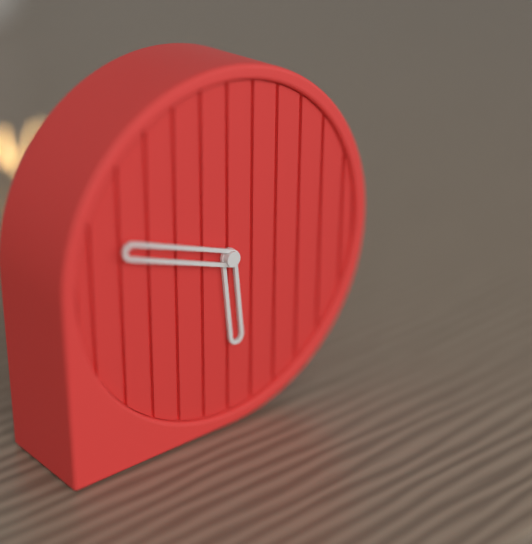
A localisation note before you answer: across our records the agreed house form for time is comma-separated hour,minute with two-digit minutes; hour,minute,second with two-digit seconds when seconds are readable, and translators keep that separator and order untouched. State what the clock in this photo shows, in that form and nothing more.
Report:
5,48
